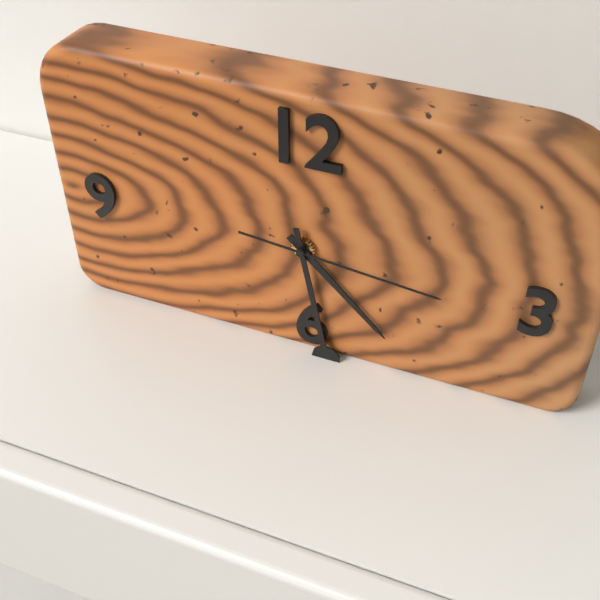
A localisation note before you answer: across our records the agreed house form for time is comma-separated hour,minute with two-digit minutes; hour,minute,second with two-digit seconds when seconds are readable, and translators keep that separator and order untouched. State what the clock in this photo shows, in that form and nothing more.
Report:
4,28,16
